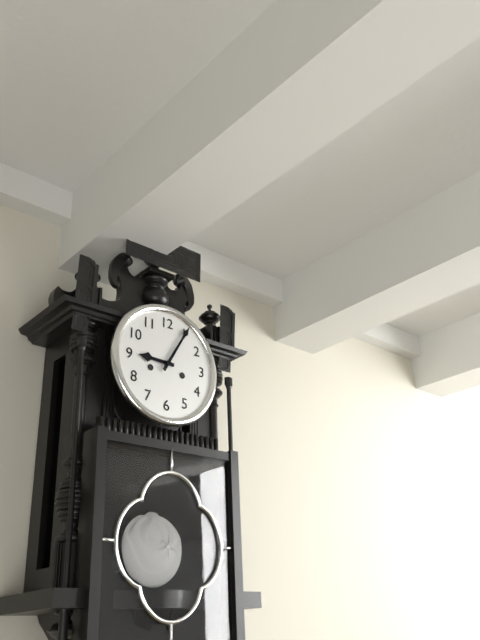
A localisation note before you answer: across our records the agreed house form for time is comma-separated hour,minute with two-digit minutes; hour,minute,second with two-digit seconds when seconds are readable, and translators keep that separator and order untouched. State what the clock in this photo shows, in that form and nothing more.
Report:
9,05
